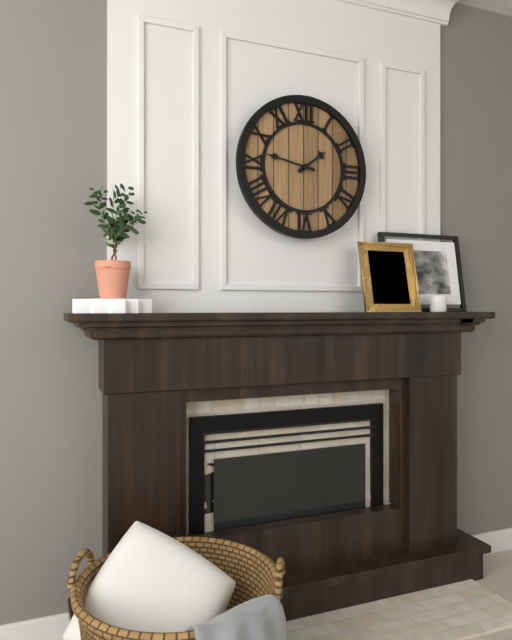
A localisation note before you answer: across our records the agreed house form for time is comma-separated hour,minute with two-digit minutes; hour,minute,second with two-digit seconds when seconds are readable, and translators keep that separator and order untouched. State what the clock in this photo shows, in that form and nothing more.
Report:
1,47
